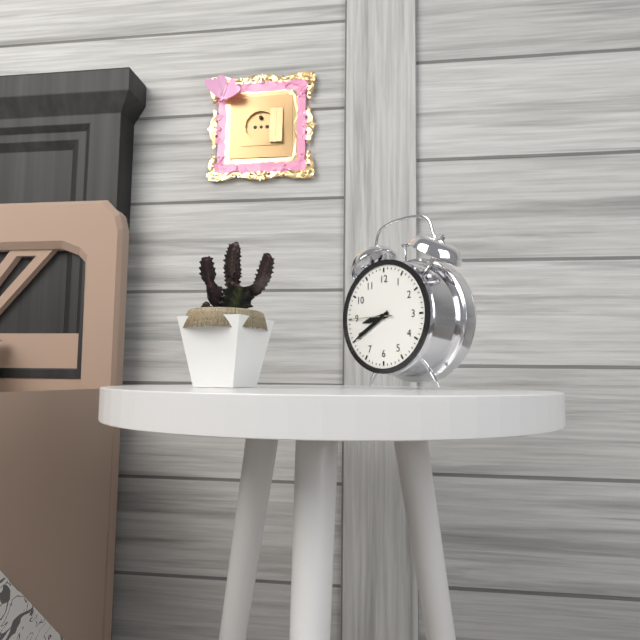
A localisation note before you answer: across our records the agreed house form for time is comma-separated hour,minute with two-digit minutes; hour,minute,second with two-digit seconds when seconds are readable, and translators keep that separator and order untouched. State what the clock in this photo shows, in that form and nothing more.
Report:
8,40
